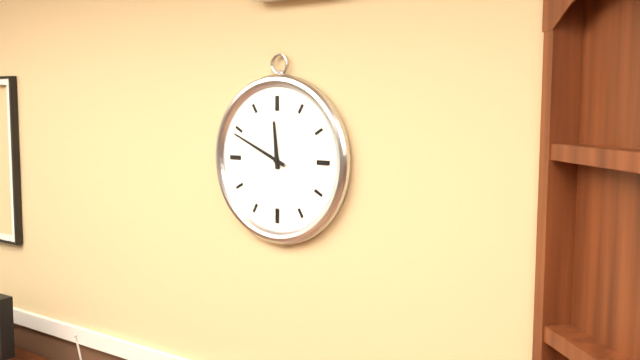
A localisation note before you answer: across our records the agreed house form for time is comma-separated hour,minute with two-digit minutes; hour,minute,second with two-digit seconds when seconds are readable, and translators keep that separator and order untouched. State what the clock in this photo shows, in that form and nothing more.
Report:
11,49
